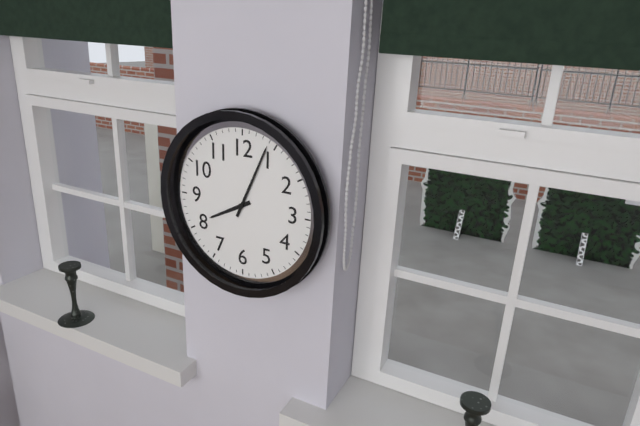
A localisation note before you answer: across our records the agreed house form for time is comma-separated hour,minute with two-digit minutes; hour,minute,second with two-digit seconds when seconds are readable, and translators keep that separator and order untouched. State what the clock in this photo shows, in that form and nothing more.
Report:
8,04
